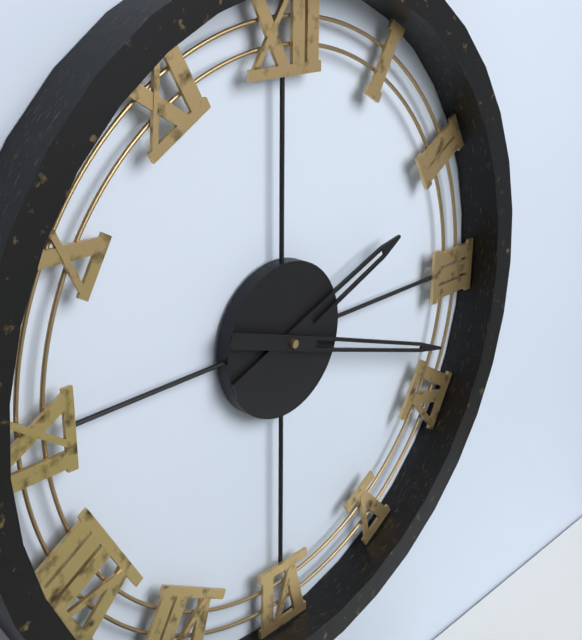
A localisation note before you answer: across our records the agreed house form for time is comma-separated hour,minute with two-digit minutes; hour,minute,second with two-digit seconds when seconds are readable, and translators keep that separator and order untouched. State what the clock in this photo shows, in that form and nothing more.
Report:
2,18
